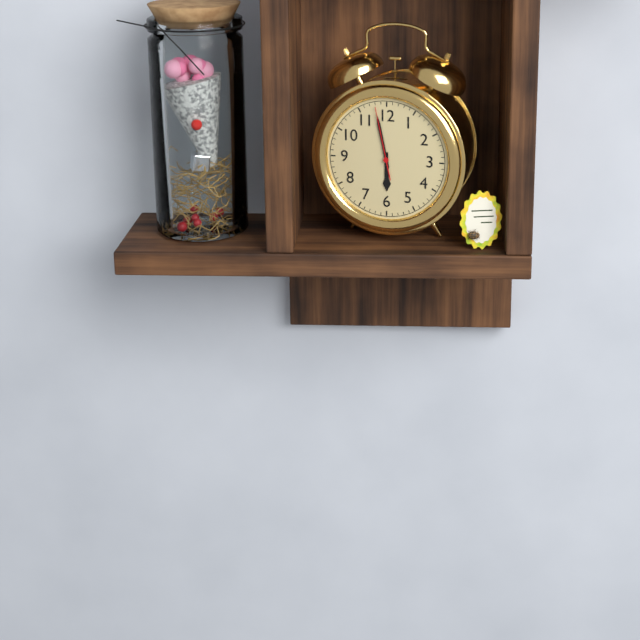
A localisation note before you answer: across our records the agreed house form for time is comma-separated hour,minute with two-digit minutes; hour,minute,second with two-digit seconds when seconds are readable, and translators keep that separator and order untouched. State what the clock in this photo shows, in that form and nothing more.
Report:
5,58,58
